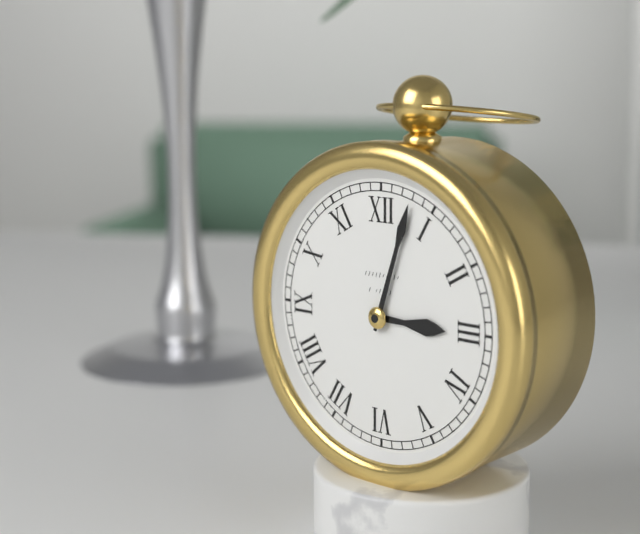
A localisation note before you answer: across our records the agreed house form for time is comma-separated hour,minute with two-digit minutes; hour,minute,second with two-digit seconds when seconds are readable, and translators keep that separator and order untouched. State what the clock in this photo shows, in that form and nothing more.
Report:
3,03
